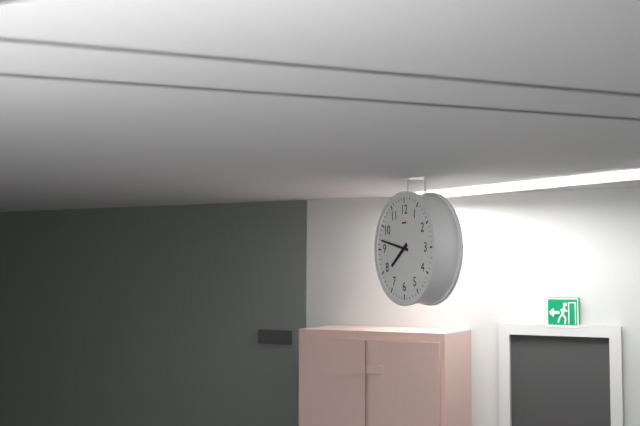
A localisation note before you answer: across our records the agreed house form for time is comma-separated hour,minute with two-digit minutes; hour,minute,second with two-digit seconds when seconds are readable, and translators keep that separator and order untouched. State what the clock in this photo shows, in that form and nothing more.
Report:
7,47
